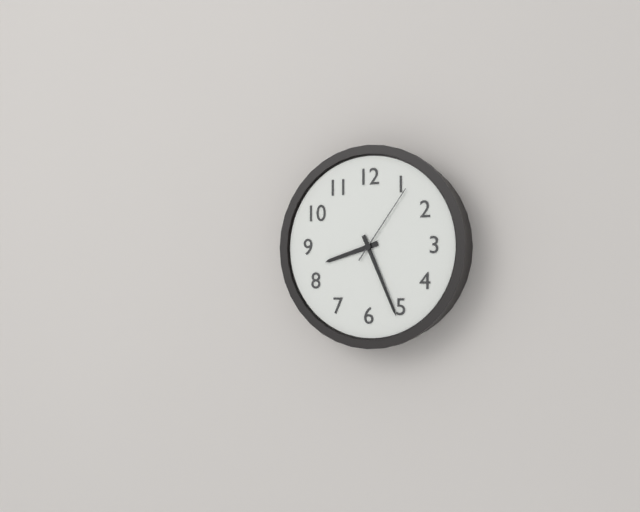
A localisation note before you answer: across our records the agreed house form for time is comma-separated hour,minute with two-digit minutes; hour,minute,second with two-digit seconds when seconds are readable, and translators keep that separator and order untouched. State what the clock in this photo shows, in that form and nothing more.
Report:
8,26,06
